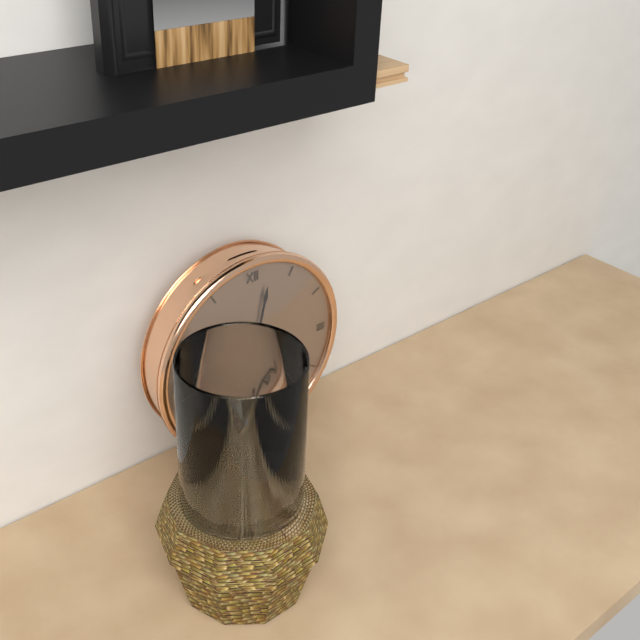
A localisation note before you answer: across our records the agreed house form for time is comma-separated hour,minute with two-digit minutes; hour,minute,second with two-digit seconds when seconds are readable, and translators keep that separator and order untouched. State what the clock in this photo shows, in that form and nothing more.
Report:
5,02
